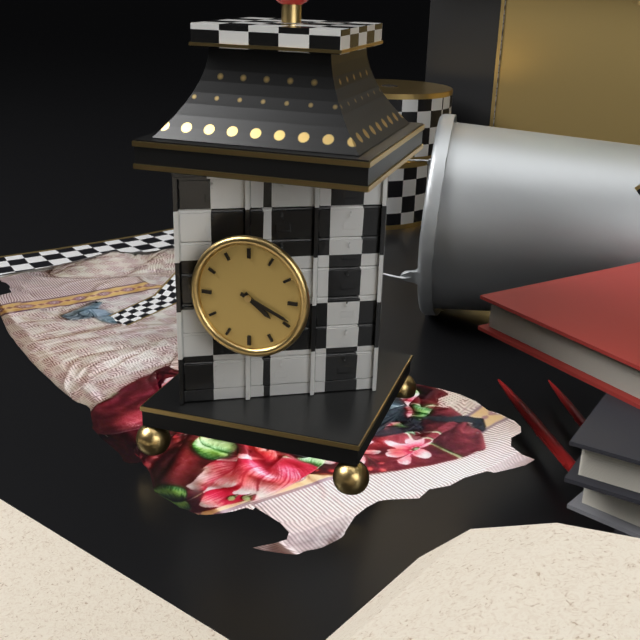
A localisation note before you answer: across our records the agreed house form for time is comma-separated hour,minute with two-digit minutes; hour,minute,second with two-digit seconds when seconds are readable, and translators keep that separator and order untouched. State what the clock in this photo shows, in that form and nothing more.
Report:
4,19
